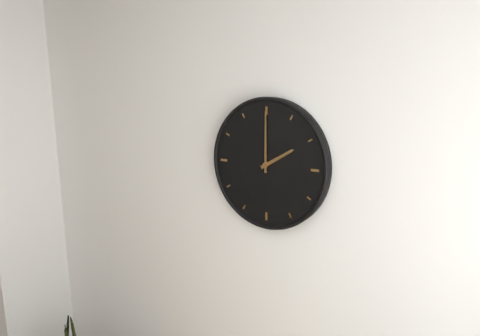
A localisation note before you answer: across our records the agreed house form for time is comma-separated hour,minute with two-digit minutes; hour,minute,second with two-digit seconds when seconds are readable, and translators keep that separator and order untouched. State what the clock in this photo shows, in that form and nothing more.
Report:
2,00
